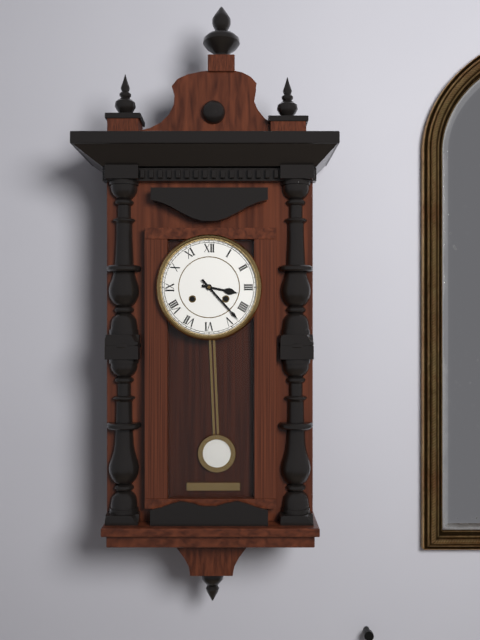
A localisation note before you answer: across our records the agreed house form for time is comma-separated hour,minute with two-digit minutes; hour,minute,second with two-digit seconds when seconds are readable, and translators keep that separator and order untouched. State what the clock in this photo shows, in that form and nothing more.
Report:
3,23
